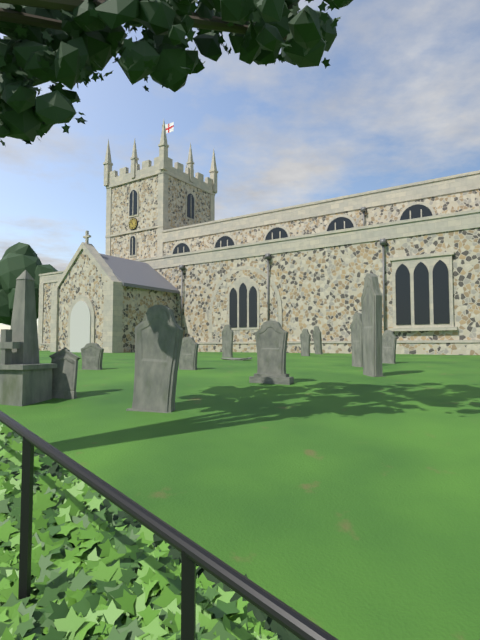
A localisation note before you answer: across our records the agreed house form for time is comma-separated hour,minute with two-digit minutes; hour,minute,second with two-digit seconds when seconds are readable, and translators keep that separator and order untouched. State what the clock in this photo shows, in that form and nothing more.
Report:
10,54
